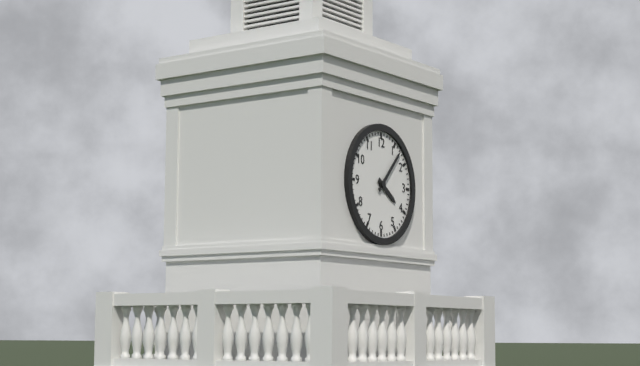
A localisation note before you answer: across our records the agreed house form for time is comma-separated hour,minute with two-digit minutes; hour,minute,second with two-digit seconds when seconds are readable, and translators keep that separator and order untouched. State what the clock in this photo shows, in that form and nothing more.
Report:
4,07
